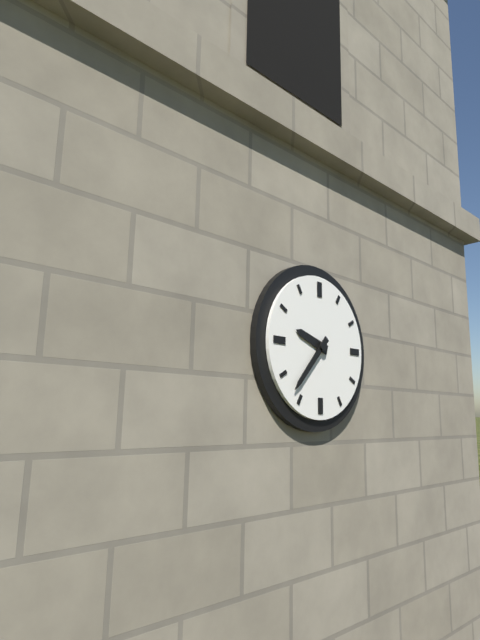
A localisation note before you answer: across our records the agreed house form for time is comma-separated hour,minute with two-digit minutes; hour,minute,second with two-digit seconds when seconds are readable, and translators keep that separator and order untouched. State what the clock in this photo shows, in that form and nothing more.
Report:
9,37
